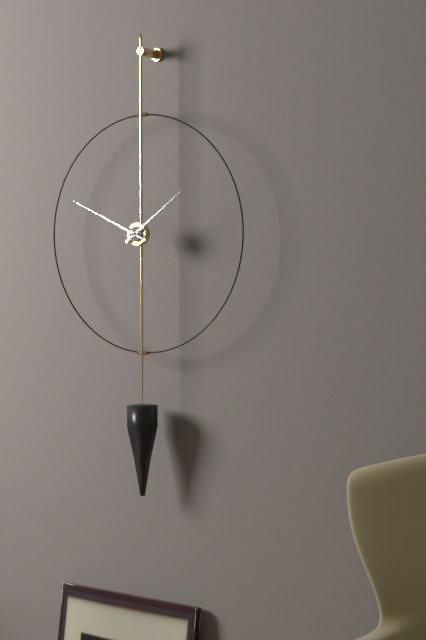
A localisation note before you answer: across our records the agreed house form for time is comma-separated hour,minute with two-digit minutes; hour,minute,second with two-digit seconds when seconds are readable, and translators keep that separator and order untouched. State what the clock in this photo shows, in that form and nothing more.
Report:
1,49
